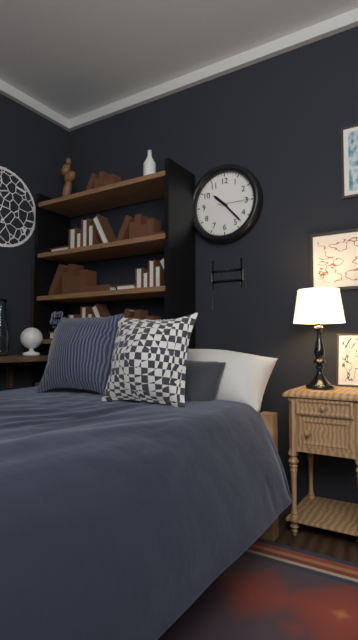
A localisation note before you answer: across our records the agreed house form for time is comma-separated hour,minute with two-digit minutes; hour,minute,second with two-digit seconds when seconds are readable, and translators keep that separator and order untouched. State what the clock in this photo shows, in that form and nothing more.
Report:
10,23
